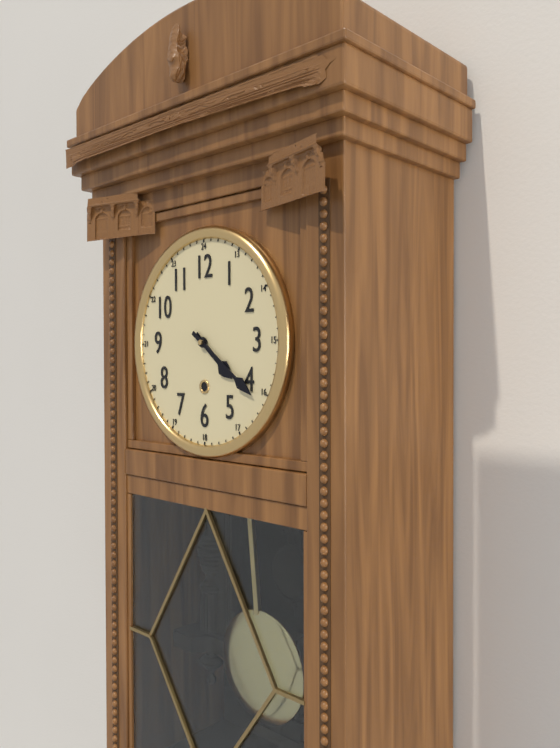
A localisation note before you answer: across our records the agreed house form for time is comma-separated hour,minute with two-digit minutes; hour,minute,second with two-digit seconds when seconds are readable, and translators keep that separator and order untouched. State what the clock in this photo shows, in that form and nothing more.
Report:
4,21
